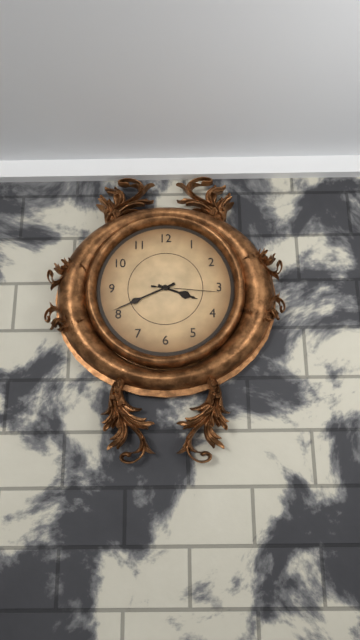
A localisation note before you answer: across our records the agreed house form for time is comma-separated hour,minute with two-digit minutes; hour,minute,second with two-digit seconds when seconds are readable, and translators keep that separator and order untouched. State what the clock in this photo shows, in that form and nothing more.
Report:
3,41,16
